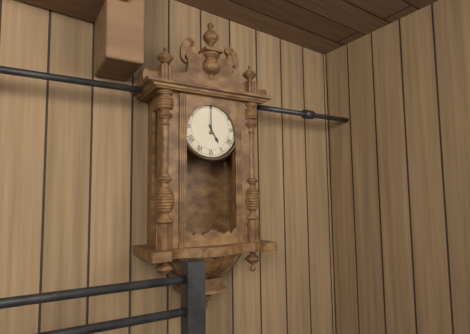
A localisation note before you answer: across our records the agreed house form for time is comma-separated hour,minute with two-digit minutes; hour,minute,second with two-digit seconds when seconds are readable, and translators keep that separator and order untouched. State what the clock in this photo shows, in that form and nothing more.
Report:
5,00
